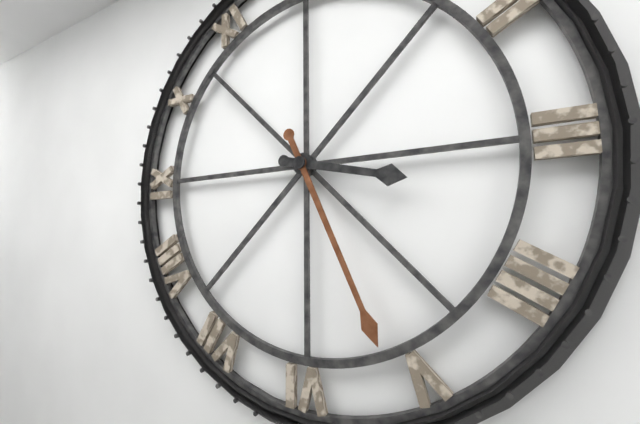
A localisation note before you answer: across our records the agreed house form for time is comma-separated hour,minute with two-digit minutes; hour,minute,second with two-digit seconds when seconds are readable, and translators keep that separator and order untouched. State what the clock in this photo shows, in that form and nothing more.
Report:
3,26
